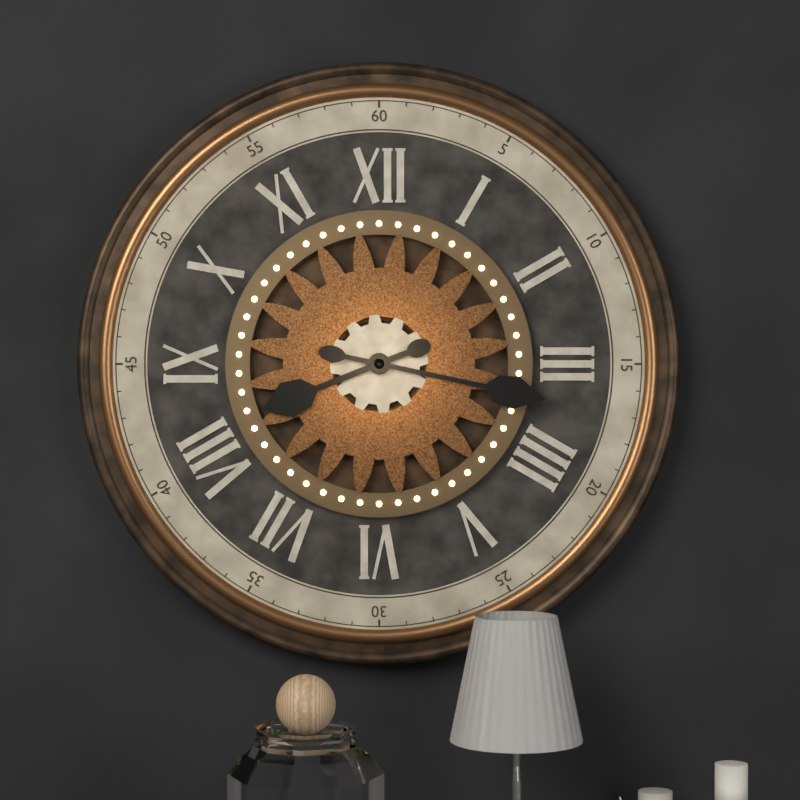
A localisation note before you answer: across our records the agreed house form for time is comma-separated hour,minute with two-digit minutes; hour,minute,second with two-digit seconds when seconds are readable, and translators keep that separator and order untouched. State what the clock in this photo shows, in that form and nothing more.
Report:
8,17
